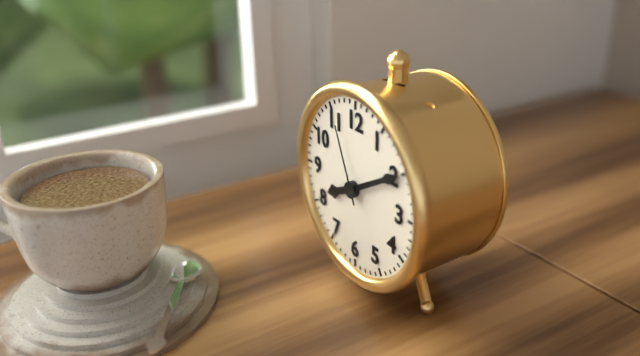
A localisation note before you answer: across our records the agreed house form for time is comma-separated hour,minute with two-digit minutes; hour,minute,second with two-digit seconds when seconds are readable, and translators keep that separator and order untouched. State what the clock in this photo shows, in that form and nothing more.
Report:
8,10,56
